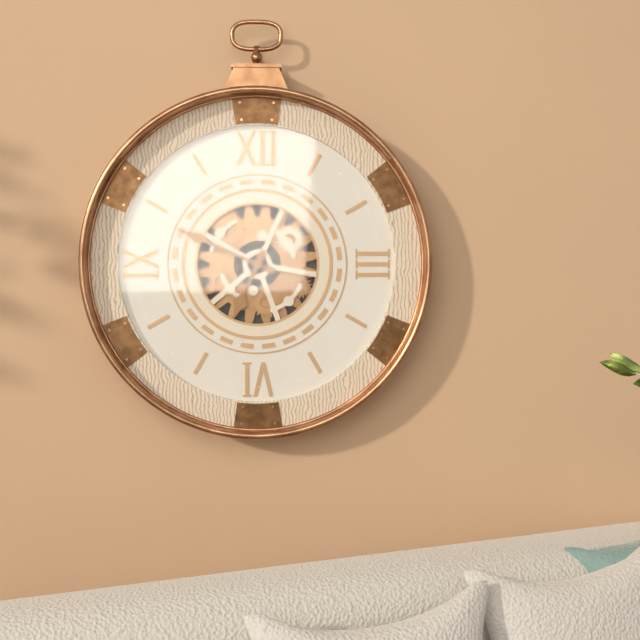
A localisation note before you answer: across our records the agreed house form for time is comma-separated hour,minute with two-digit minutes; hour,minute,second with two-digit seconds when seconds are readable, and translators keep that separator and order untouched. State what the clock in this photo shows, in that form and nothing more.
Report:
6,49
